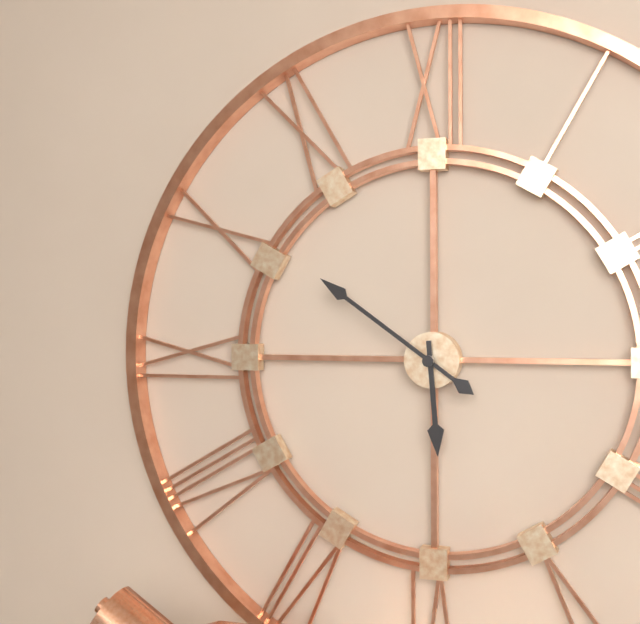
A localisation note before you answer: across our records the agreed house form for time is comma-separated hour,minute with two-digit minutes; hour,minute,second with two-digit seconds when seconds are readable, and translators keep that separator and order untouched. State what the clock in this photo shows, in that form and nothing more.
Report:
5,51
